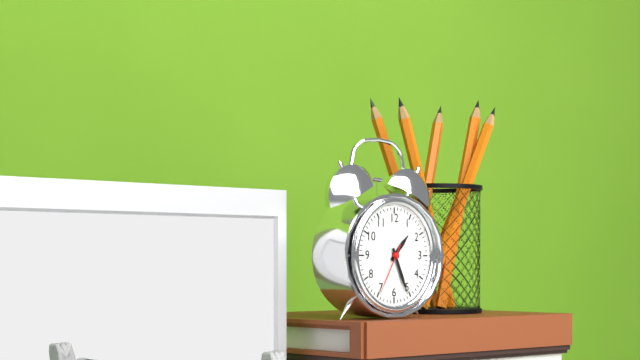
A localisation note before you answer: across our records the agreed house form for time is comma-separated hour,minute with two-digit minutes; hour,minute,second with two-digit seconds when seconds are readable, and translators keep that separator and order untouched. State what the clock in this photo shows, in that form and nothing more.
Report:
1,26,35
